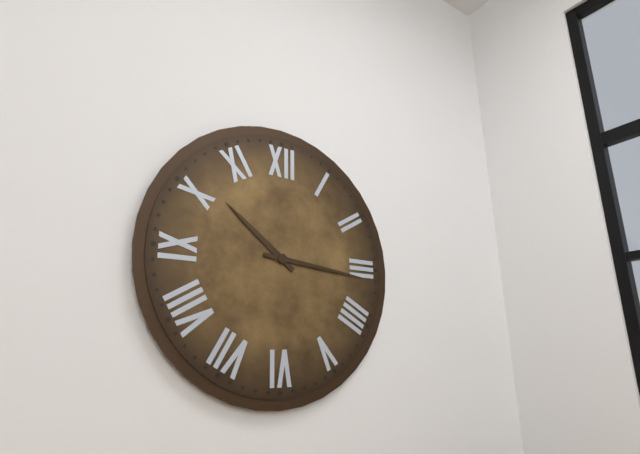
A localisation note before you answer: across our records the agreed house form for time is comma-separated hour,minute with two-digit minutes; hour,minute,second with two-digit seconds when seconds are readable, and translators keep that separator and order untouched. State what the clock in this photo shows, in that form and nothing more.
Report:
10,16
